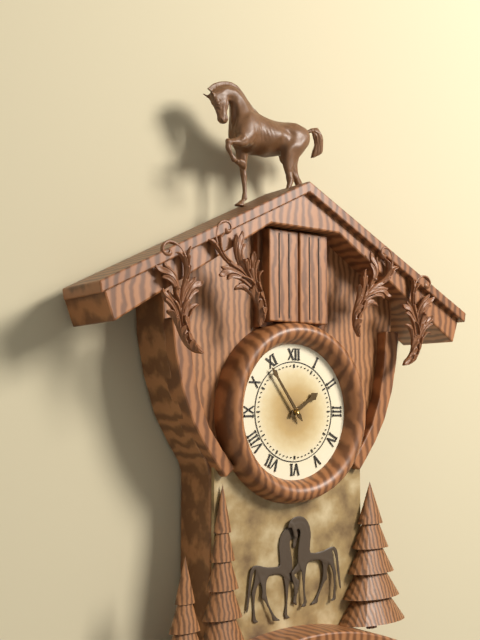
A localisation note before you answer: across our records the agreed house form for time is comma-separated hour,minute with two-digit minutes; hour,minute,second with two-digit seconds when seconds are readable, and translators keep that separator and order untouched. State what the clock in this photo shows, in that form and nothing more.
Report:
1,54
